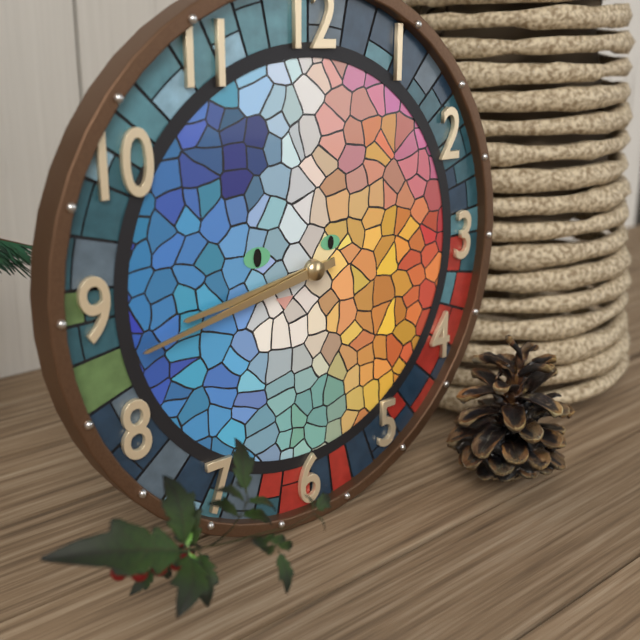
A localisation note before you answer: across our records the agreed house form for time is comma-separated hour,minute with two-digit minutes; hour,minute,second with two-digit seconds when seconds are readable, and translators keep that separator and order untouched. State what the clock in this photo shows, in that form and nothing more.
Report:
8,43
